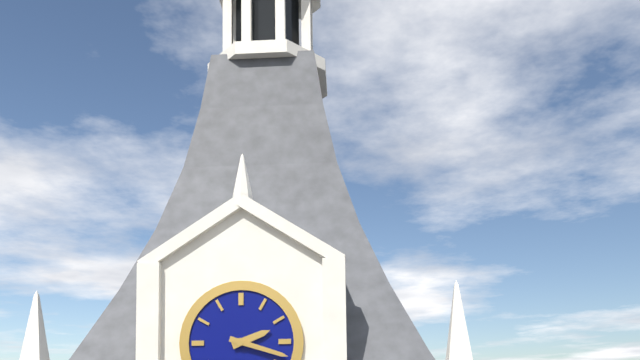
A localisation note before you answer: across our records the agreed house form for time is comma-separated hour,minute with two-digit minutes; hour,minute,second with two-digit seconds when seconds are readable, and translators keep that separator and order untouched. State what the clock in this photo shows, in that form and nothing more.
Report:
2,18
